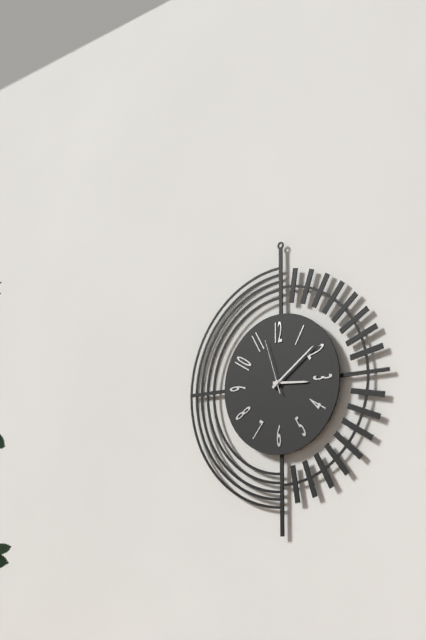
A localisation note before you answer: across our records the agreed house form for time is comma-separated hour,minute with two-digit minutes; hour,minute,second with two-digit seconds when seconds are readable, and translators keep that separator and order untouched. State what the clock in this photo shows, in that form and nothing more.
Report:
3,09,57
